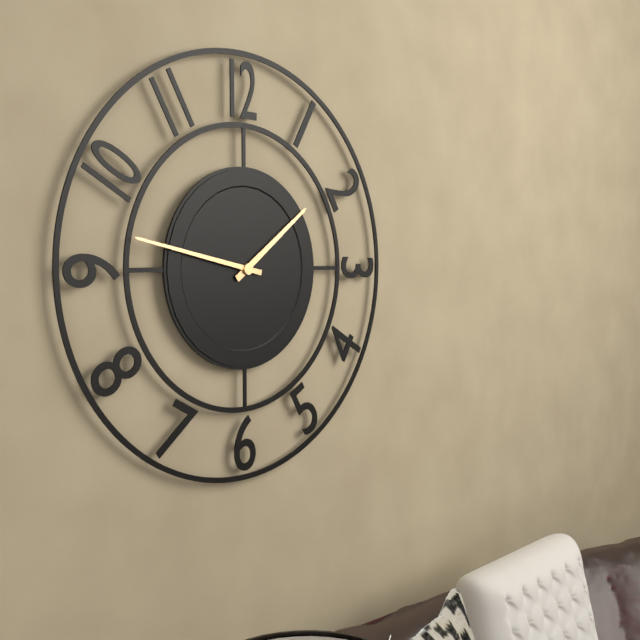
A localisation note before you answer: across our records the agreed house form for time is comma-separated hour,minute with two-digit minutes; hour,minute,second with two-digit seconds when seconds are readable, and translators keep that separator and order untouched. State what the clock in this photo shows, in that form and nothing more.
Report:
1,47
